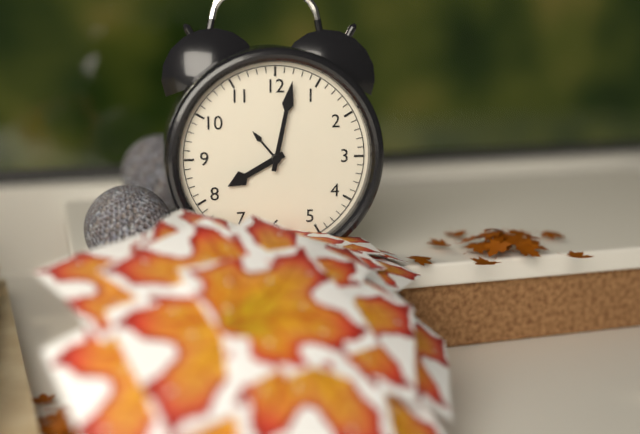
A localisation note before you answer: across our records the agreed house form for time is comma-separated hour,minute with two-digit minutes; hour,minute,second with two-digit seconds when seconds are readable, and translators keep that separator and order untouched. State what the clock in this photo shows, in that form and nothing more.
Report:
8,02
